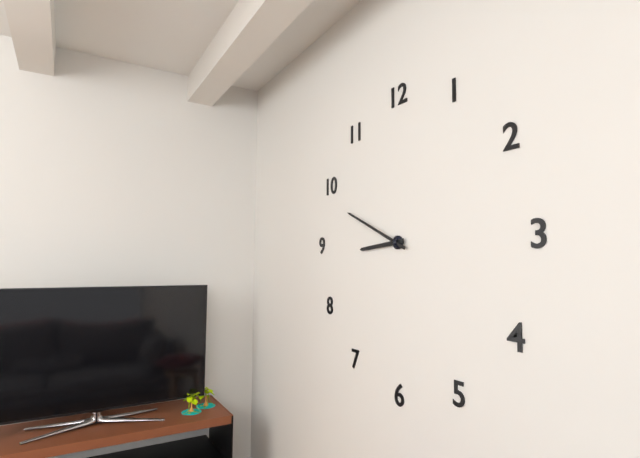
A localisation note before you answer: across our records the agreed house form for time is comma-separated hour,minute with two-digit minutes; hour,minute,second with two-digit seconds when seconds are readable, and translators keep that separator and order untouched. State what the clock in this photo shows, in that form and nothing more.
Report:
8,49
